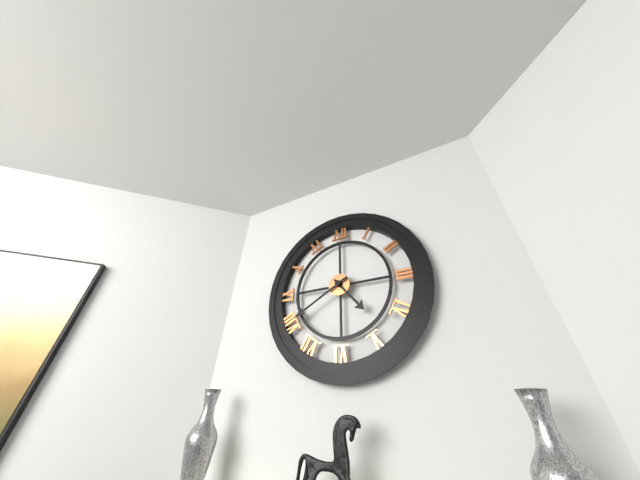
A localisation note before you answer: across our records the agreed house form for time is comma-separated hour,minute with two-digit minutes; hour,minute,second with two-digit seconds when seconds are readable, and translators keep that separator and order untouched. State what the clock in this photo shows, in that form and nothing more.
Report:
4,40
